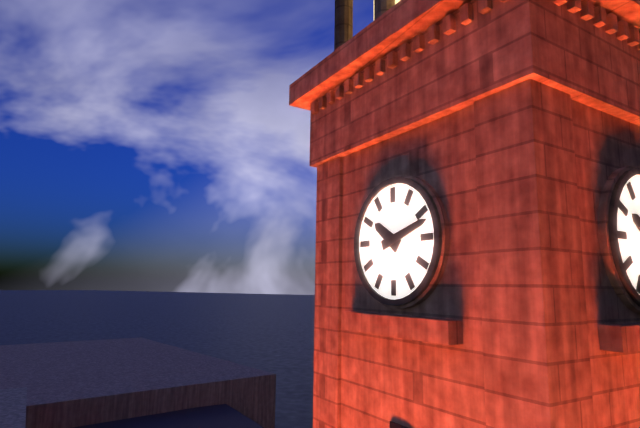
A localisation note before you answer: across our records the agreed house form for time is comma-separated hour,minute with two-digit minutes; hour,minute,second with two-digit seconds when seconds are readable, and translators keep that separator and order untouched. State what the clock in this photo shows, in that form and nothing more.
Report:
10,12
